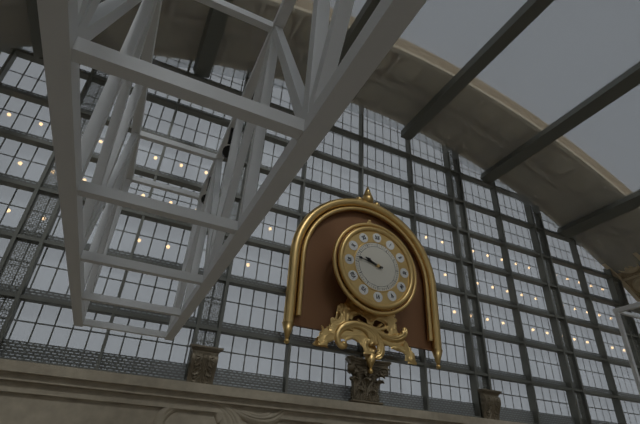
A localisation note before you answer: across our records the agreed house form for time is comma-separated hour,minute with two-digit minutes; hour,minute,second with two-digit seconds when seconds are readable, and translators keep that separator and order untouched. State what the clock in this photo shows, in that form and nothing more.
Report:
9,47
